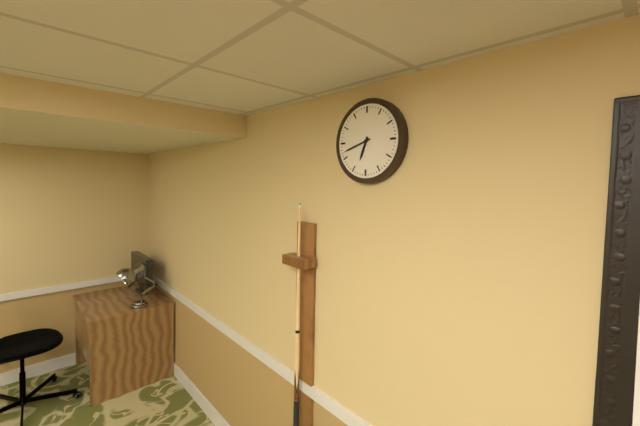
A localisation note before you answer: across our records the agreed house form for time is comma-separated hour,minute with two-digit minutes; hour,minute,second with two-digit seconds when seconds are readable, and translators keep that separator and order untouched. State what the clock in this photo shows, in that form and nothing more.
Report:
6,42
